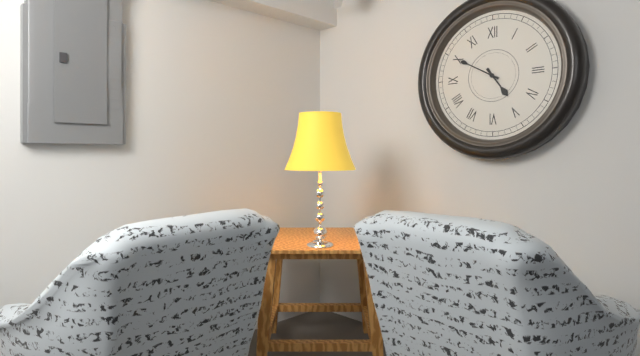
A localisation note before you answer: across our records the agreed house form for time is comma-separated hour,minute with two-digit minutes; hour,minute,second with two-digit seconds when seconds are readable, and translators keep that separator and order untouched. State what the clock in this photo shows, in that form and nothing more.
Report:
4,50
